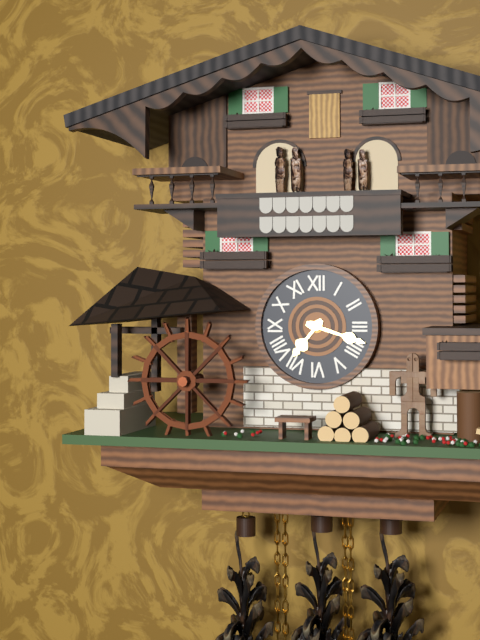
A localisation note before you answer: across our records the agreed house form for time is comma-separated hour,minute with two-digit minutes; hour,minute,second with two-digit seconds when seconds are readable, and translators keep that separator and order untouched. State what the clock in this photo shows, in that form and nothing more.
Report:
7,18
